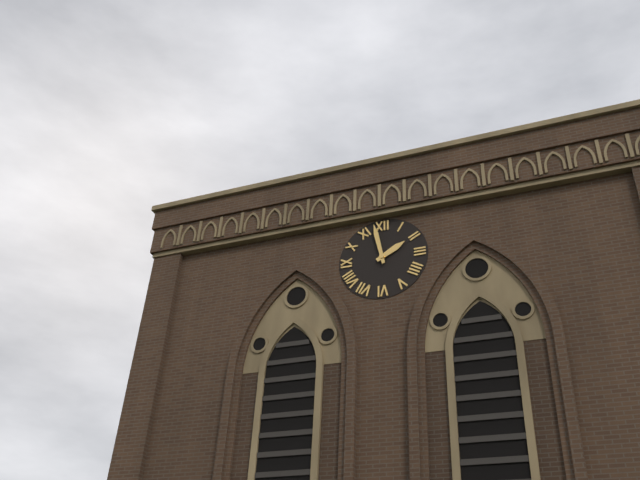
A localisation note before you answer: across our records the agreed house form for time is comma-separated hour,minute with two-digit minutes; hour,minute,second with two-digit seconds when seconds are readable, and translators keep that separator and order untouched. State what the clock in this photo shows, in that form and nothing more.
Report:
1,58
